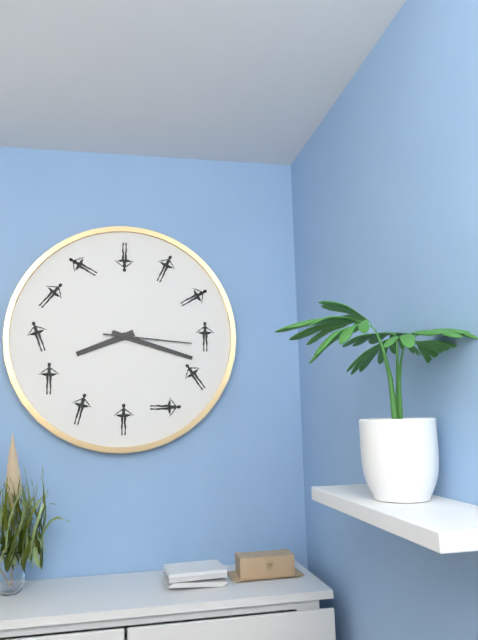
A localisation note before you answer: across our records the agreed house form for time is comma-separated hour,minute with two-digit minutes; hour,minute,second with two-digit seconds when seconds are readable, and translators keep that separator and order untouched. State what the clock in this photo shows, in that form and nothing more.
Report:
8,18,16
